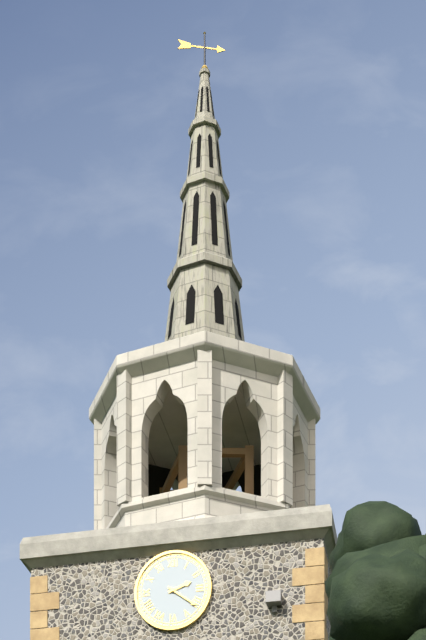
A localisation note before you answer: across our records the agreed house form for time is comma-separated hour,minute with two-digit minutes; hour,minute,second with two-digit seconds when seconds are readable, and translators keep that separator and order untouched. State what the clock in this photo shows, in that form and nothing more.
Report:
2,21
